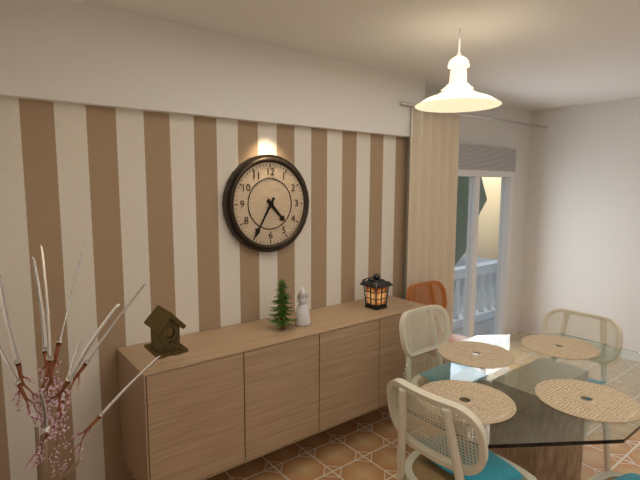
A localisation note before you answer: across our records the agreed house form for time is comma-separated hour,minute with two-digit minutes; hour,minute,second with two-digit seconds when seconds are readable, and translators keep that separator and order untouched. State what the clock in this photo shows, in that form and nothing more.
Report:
4,35
